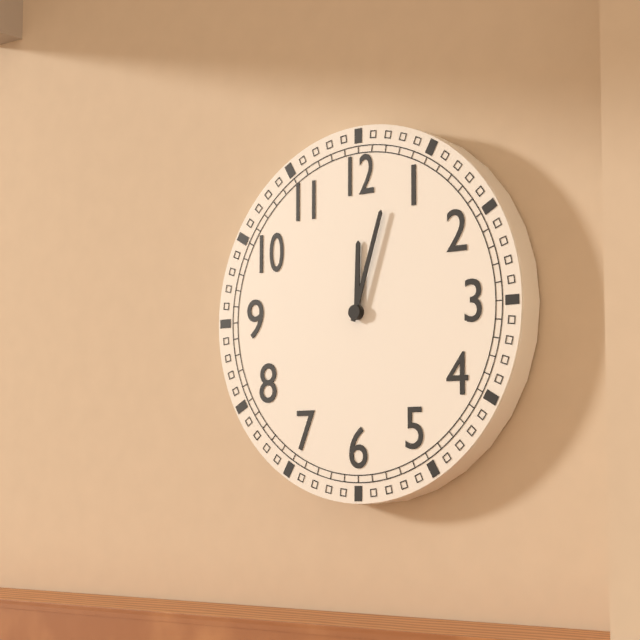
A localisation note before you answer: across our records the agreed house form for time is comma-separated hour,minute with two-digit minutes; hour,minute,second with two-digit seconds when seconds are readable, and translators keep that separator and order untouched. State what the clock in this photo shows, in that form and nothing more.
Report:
12,03
